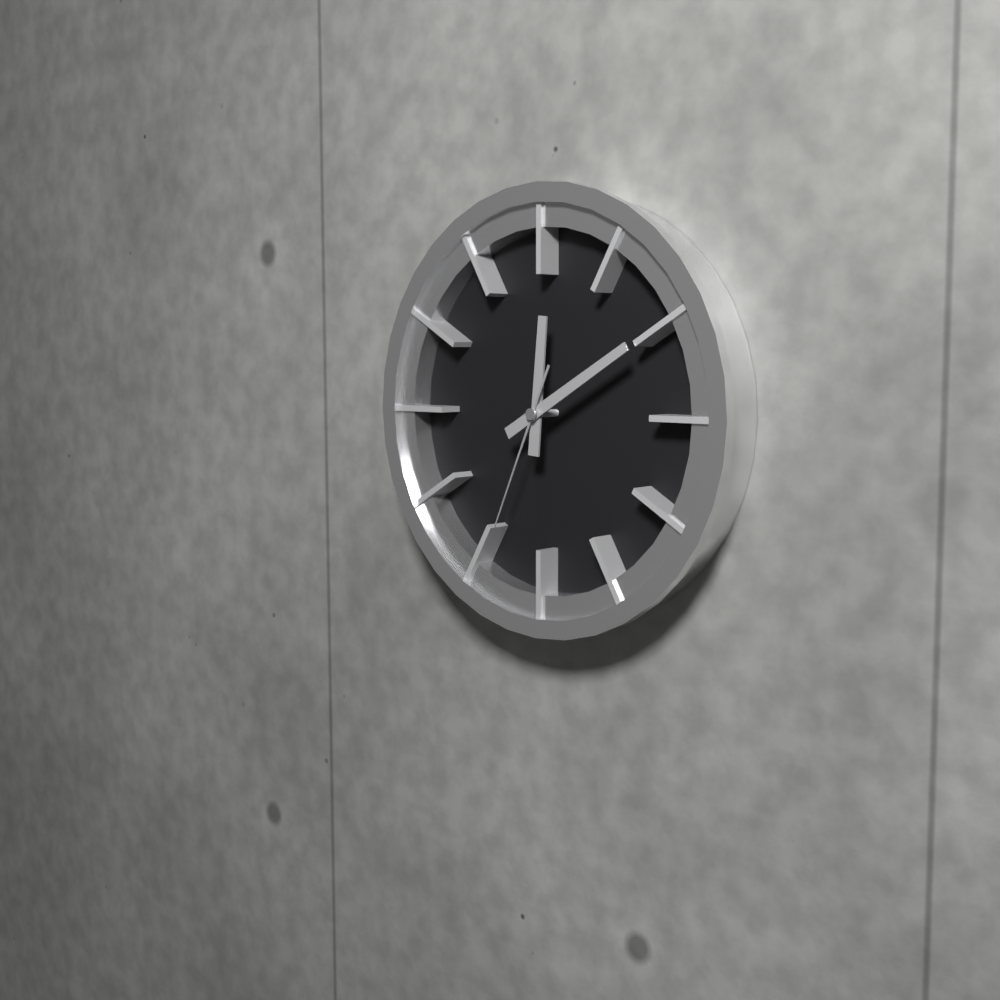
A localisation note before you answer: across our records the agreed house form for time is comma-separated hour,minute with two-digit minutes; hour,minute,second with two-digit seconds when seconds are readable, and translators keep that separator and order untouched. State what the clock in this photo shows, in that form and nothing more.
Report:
12,10,34
